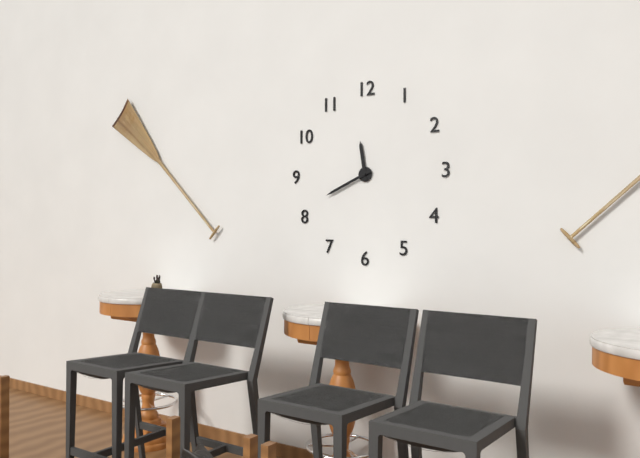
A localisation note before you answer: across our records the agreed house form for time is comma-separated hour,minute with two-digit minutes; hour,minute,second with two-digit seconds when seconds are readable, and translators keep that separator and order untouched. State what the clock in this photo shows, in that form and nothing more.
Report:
11,41
